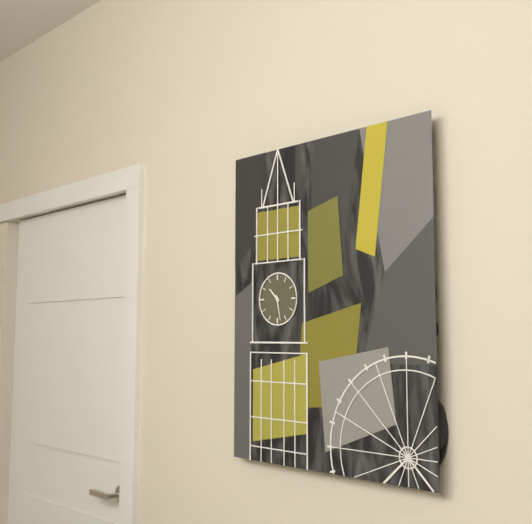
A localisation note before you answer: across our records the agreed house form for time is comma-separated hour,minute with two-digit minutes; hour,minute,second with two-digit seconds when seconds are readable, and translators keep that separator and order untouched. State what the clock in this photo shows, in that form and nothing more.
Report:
10,28
